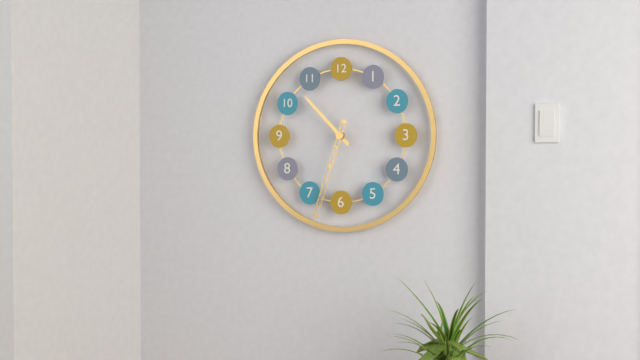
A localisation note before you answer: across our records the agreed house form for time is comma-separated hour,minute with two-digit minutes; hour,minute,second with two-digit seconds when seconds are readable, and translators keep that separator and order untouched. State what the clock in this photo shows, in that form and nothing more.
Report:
10,33
